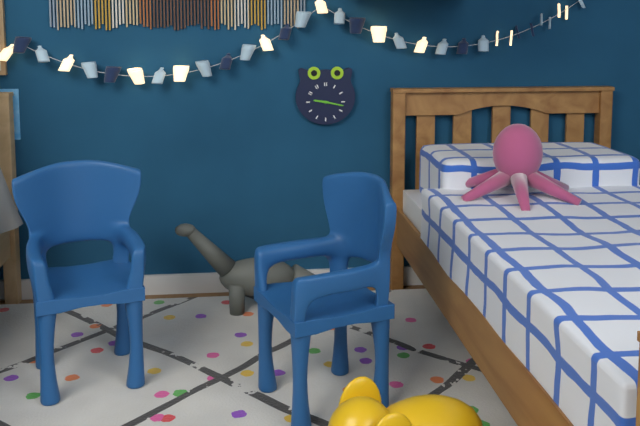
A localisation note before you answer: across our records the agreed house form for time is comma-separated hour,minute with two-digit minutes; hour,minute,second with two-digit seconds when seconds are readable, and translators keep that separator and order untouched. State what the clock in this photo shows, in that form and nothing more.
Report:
9,17
